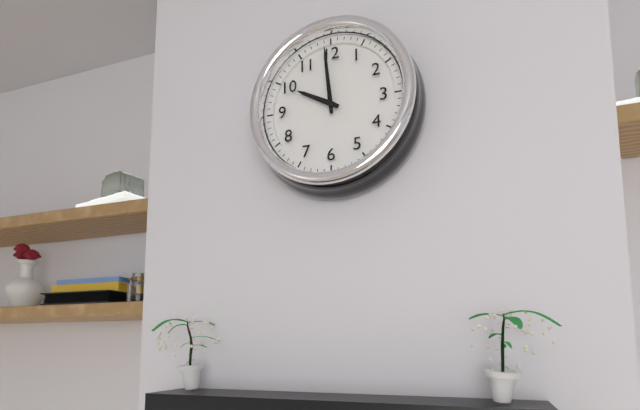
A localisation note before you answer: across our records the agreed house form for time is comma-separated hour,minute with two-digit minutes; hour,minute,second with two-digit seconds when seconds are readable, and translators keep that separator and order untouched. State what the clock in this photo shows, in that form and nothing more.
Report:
9,59
